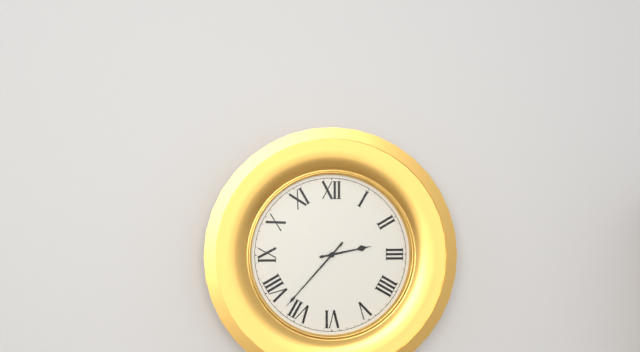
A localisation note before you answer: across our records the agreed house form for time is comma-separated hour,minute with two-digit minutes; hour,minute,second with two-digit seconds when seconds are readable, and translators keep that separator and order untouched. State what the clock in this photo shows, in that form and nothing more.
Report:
2,37
